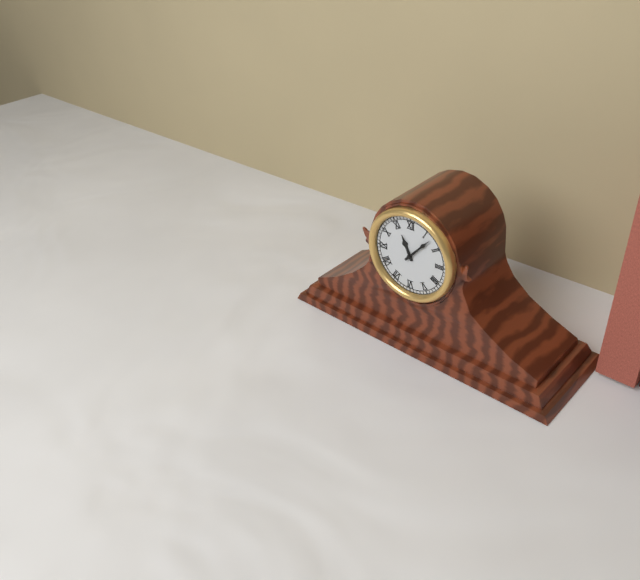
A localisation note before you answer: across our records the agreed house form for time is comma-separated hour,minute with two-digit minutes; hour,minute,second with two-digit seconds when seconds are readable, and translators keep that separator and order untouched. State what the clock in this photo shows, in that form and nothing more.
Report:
11,07
